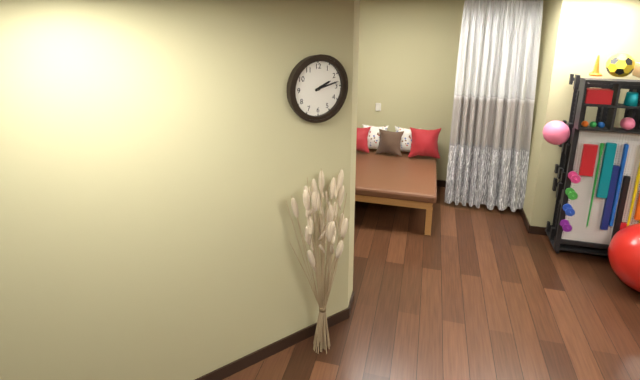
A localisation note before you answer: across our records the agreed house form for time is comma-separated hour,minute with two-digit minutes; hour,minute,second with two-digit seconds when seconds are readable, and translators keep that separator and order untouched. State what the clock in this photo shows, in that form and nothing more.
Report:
2,13
